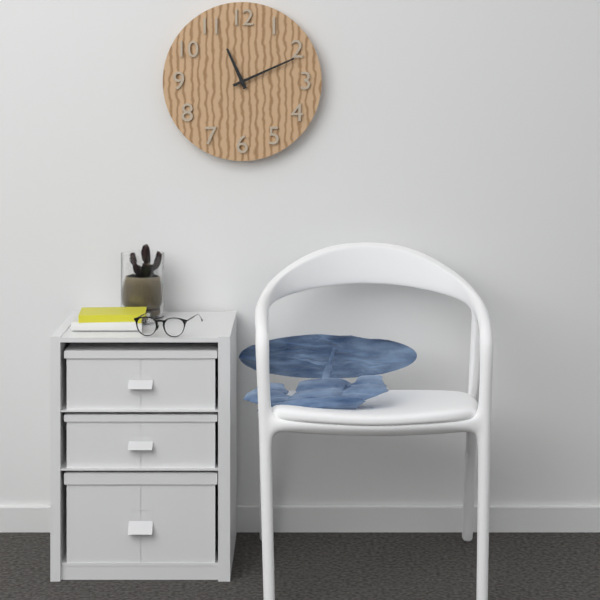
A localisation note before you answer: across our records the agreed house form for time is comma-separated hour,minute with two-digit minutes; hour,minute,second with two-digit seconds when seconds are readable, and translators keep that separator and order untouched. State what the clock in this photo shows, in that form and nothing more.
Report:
11,11
